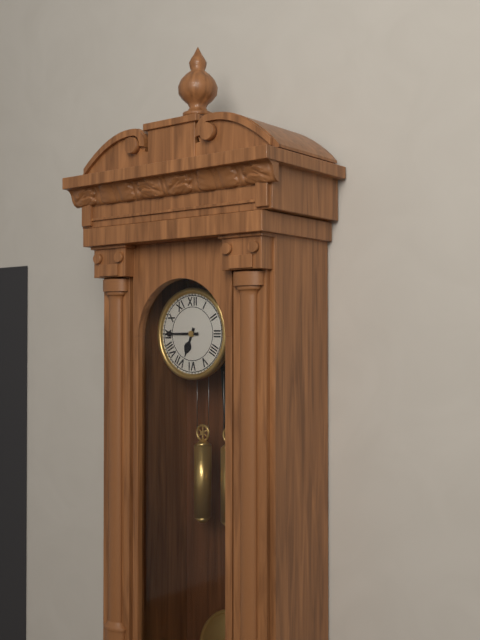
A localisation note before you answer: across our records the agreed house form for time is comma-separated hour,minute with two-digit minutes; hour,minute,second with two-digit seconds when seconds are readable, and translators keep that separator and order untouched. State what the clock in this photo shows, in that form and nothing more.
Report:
6,45
